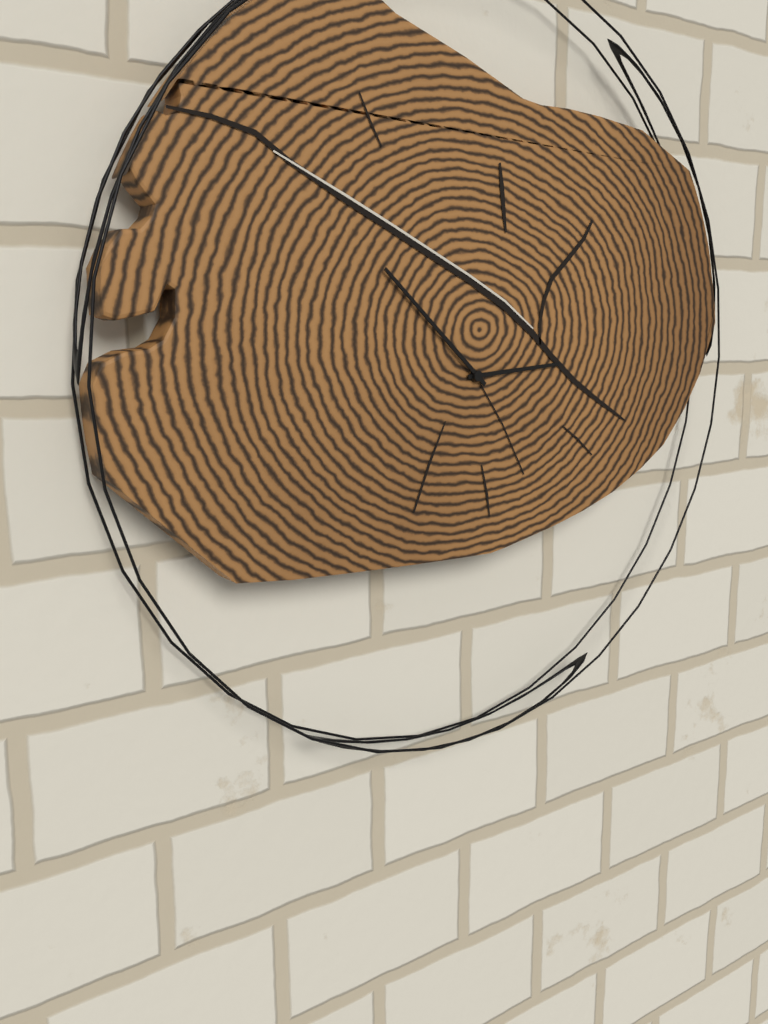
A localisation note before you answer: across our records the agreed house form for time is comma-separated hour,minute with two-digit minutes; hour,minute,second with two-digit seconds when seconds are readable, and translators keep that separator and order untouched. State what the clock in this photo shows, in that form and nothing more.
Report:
2,52
